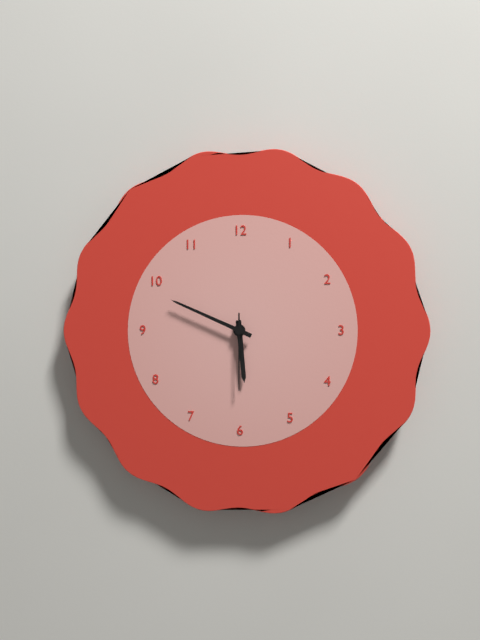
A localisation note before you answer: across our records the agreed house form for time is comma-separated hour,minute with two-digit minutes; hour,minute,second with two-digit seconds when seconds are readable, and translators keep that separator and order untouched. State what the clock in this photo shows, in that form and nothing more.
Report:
5,49,30
